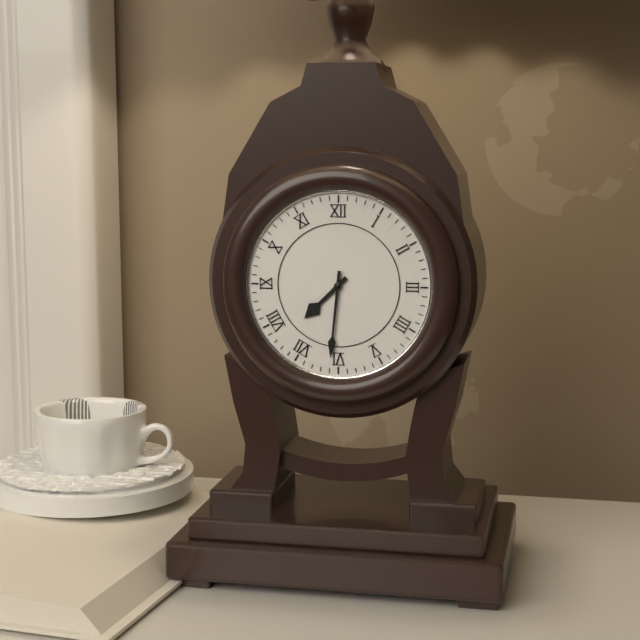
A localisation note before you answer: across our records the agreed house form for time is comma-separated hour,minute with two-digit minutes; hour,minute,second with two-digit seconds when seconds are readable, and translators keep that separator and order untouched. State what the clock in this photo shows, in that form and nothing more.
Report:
7,31
